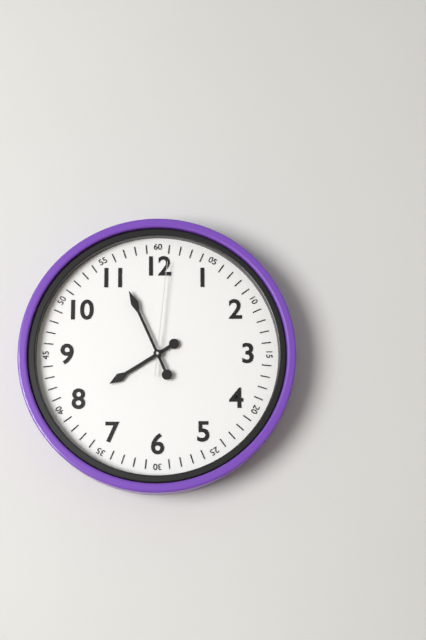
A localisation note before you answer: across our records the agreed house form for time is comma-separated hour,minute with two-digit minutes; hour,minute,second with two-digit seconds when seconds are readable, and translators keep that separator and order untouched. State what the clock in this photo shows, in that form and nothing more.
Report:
7,56,01
